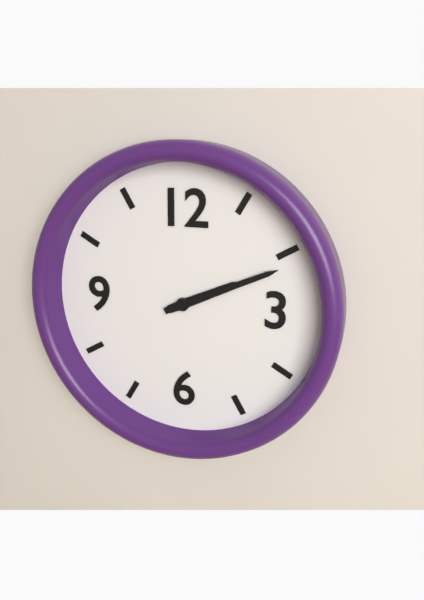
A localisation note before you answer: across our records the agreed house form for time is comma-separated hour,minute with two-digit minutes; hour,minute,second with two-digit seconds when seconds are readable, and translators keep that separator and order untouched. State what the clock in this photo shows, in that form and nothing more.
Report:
2,11
